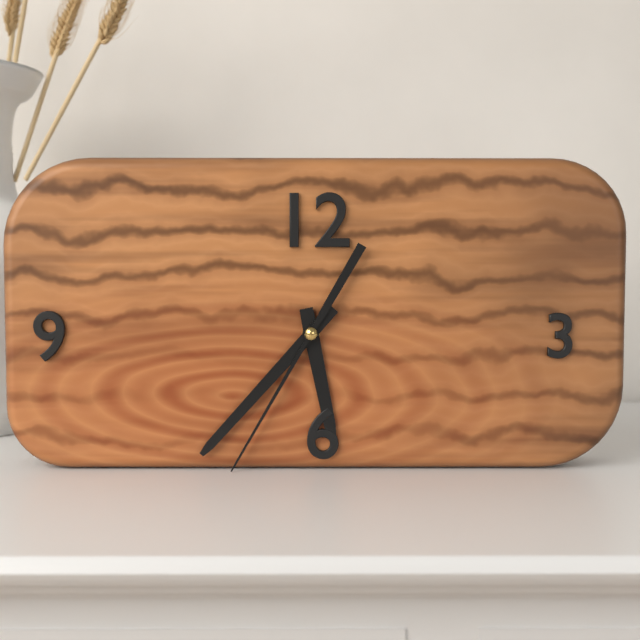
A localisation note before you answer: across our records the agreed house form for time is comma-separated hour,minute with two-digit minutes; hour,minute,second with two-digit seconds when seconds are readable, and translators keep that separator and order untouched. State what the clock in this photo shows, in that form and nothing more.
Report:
5,37,35
